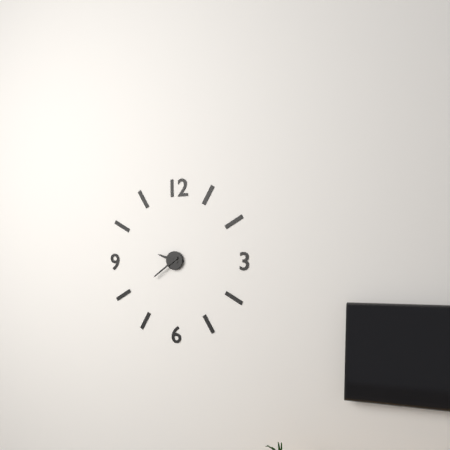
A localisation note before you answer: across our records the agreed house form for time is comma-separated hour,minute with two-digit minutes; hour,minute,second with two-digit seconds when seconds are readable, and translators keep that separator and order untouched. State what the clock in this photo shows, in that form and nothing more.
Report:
9,39
